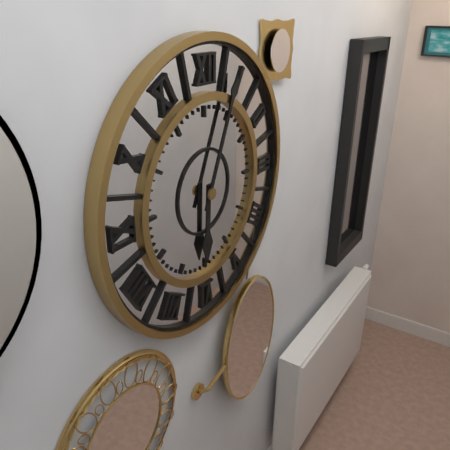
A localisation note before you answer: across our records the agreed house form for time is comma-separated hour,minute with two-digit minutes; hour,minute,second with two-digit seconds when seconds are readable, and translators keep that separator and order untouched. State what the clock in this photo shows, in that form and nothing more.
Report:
6,04
